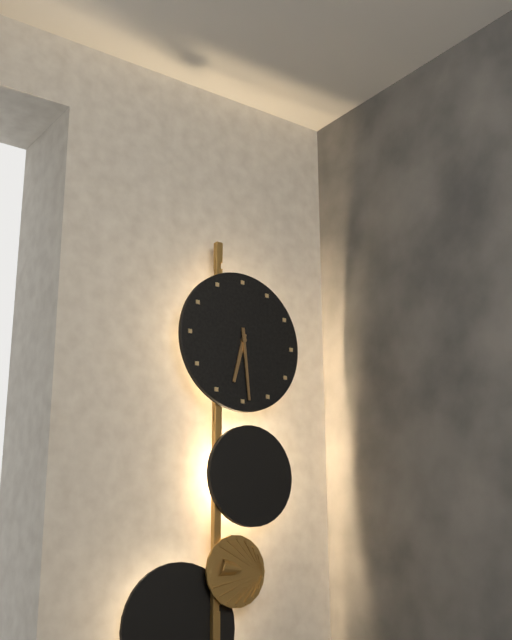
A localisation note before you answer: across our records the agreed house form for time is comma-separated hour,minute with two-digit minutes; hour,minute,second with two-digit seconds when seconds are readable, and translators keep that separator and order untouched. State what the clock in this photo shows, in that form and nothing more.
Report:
6,29
